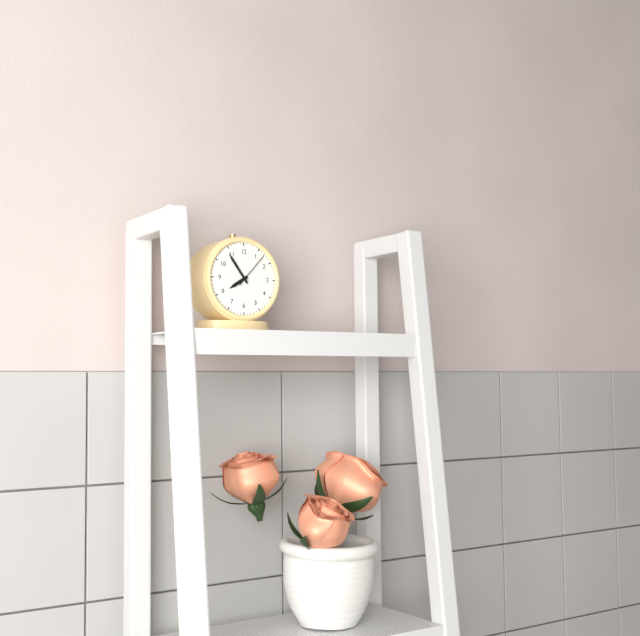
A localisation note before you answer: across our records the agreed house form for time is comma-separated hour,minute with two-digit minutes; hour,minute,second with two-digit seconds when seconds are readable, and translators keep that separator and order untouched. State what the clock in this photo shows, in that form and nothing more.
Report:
7,54
